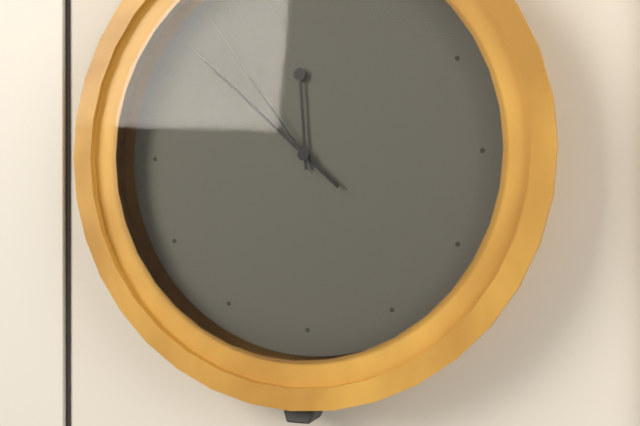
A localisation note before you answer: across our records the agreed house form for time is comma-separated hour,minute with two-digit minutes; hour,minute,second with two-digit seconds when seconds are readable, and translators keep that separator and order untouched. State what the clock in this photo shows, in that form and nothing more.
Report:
11,52,54
